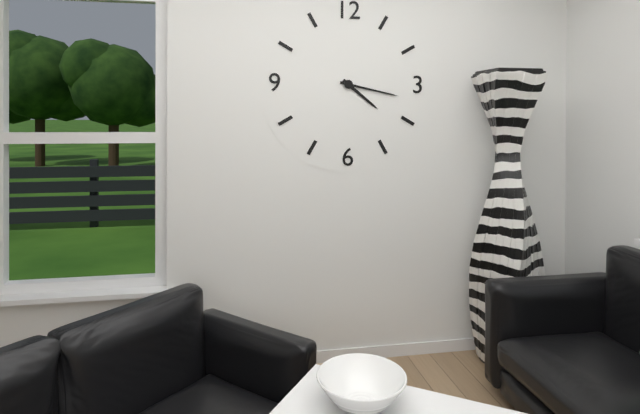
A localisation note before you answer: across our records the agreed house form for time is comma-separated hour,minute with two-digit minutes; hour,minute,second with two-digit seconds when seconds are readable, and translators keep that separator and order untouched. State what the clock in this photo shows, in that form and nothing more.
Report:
4,17
